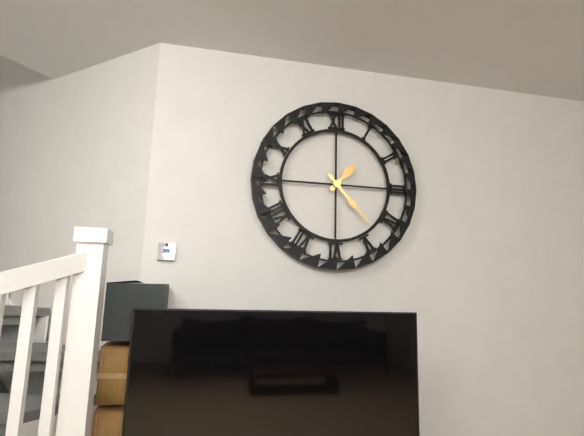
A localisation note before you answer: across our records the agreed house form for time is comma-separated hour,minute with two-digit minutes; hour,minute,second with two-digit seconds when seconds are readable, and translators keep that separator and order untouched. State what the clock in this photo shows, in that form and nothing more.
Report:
1,23
